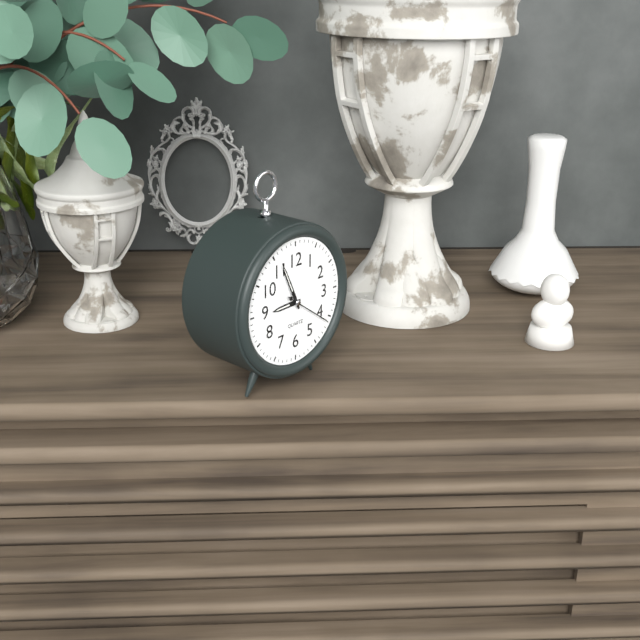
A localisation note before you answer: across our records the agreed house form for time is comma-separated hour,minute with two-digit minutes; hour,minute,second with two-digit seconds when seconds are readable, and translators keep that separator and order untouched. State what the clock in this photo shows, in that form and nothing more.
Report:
8,56
